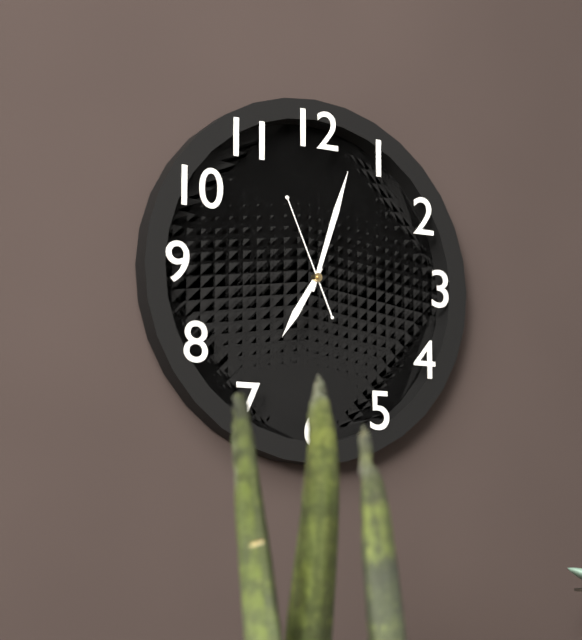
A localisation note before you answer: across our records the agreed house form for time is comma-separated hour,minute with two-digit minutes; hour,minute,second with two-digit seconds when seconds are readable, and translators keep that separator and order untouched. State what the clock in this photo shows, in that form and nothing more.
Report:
7,03,56
